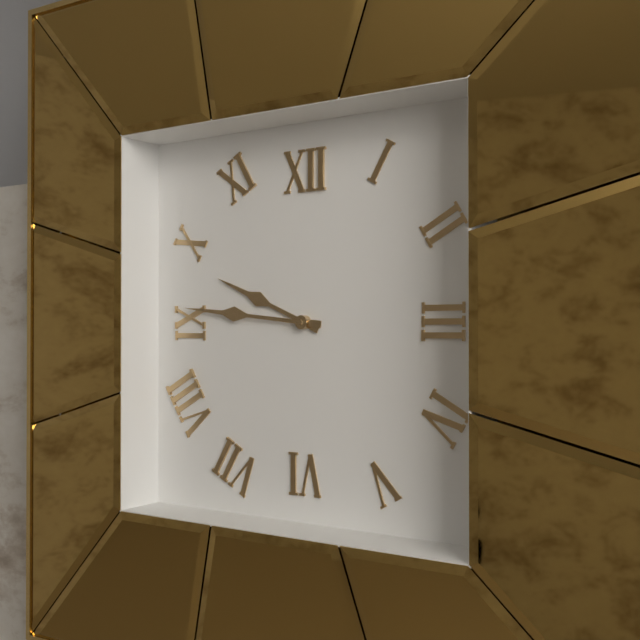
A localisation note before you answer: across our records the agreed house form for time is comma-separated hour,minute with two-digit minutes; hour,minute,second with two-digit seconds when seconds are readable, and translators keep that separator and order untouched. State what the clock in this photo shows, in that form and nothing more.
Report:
9,46
